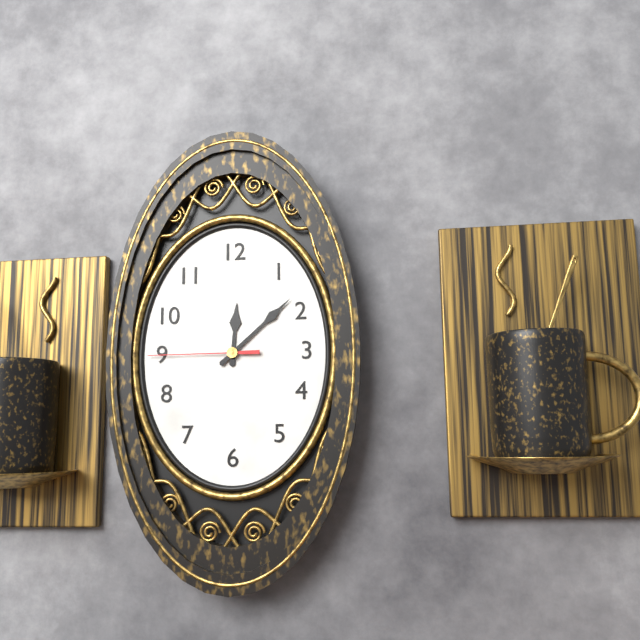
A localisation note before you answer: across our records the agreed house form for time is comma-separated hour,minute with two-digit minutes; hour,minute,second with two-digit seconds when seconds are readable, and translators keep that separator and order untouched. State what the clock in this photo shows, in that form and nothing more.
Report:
12,08,45
